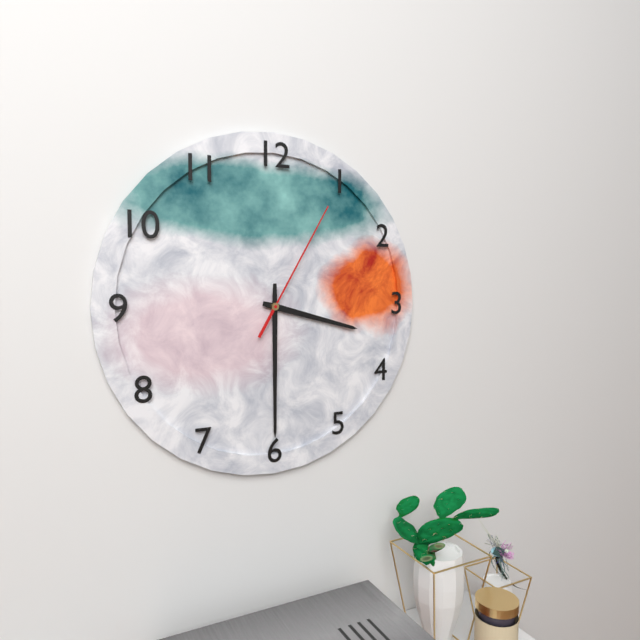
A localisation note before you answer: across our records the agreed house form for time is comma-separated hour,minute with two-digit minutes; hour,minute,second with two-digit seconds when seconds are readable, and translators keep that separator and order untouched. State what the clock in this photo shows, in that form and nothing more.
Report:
3,30,05
